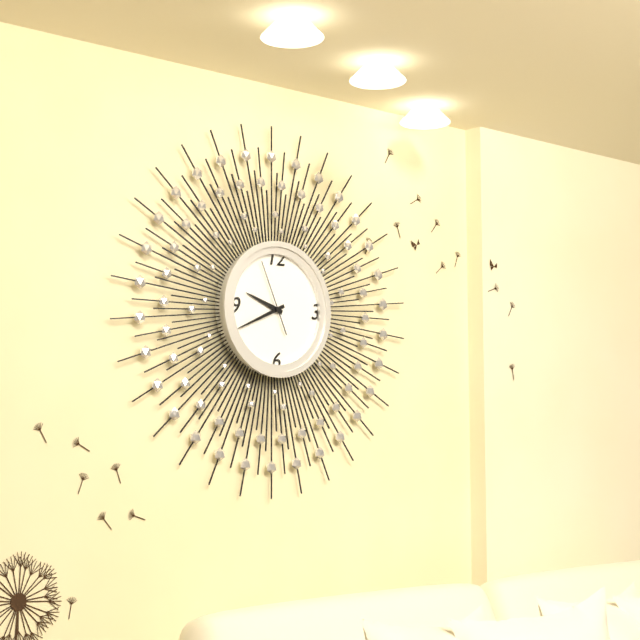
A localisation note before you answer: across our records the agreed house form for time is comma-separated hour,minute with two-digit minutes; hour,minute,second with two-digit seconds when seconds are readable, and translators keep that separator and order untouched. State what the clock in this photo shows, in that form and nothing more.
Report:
9,41,56
